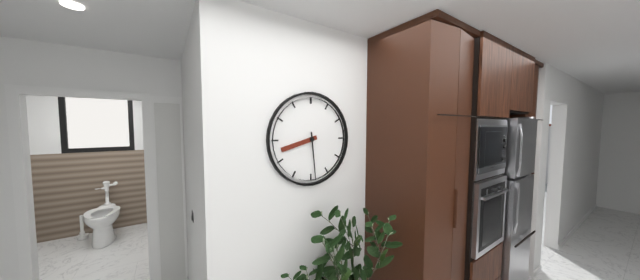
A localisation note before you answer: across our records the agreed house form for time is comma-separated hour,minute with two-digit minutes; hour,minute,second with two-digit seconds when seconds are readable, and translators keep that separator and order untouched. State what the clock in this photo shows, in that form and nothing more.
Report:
8,29
